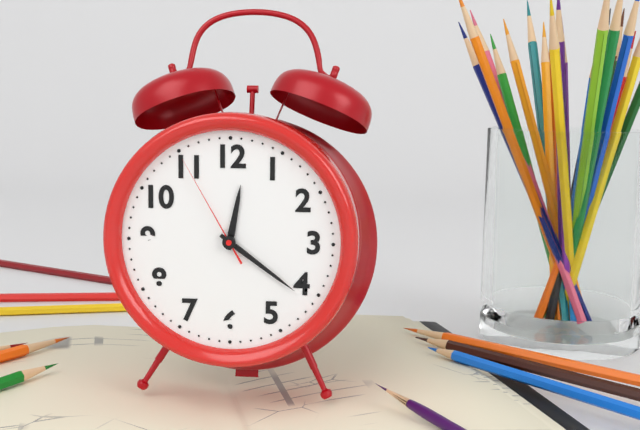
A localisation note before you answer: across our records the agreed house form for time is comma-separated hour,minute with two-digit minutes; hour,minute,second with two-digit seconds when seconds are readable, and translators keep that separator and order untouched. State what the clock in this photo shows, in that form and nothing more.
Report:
12,21,55
